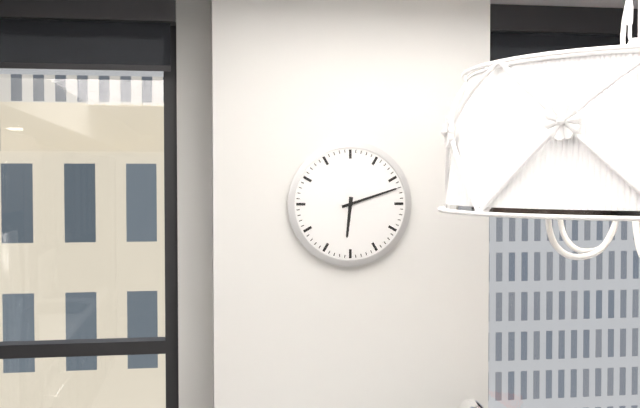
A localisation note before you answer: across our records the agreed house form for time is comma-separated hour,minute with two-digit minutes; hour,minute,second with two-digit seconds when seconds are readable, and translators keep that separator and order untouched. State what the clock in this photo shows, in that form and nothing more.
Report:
6,12
